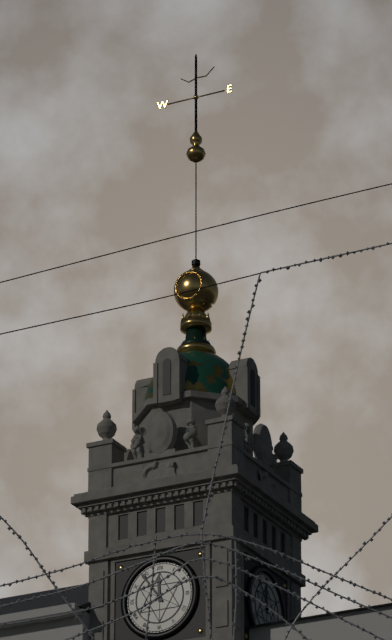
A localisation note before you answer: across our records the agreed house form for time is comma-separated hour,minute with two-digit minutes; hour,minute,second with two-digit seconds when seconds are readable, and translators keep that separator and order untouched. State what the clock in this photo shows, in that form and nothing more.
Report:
11,54
